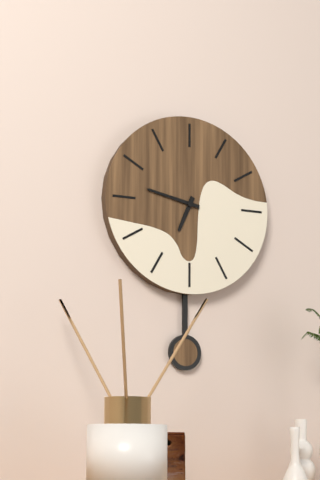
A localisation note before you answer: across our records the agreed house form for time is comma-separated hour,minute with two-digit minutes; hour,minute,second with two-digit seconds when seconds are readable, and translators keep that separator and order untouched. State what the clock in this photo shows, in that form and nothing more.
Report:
6,47
